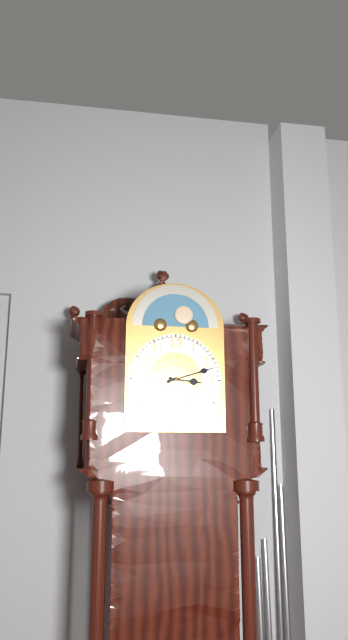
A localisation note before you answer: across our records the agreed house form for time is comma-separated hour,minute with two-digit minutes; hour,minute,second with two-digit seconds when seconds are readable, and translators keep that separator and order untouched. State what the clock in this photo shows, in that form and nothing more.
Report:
3,12
